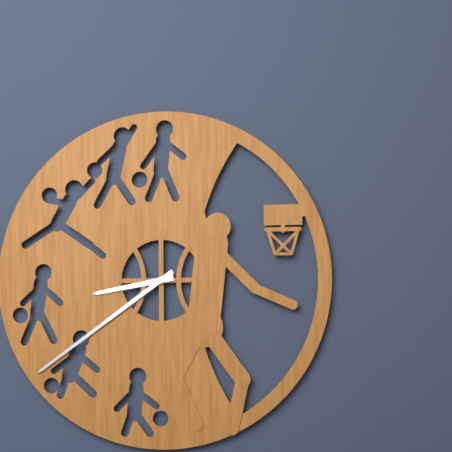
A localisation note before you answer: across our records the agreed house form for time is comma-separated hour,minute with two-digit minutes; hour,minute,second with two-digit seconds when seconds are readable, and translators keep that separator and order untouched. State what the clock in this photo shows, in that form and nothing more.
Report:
8,39
